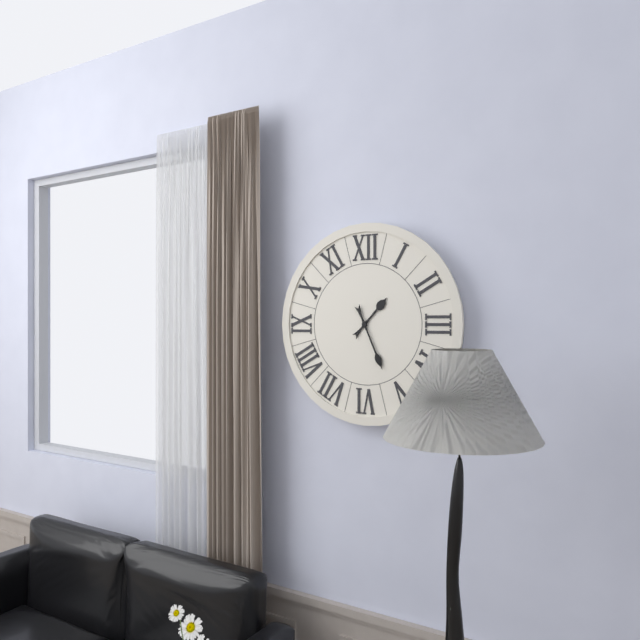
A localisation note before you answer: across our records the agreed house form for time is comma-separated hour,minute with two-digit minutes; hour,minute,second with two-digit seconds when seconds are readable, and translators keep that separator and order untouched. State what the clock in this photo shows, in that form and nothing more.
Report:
1,26
